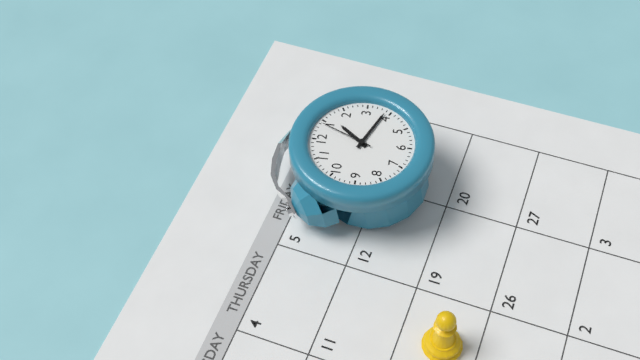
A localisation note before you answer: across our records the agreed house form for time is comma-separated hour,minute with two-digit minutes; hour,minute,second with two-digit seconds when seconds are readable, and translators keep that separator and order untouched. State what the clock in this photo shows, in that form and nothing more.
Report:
1,19,04
